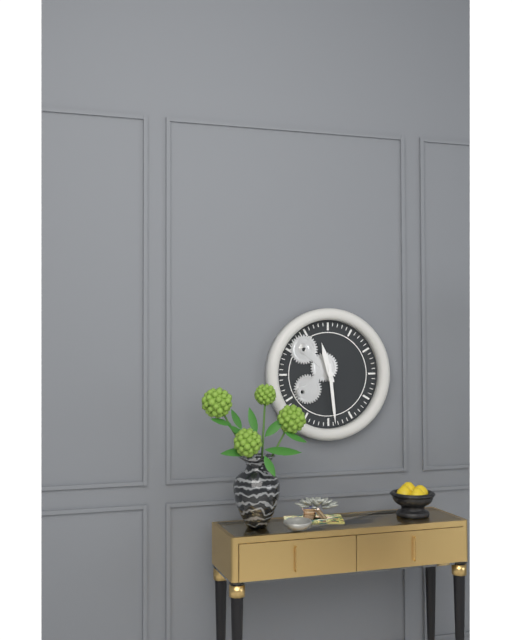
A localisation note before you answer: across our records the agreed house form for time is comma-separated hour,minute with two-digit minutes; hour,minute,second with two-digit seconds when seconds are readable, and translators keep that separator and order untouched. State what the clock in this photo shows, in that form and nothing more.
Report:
11,29
